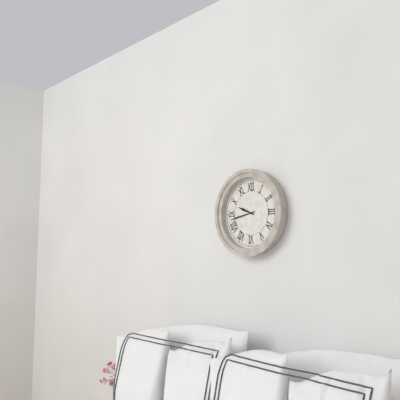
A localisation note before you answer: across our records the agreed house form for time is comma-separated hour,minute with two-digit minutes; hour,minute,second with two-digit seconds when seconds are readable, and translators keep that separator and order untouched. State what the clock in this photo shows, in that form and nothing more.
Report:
9,43
